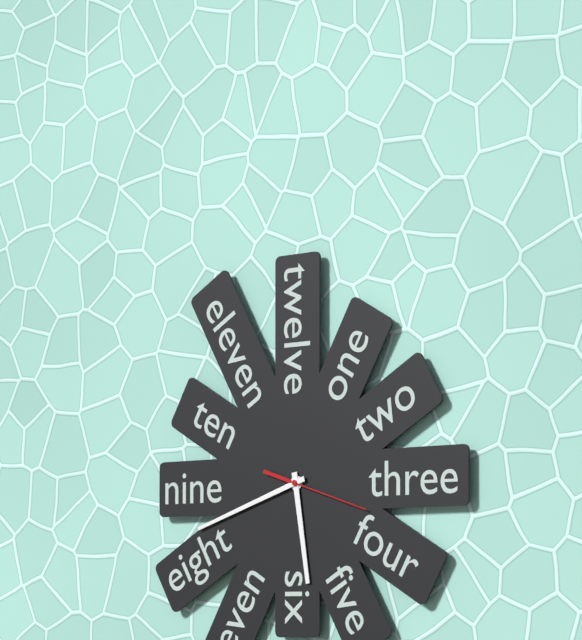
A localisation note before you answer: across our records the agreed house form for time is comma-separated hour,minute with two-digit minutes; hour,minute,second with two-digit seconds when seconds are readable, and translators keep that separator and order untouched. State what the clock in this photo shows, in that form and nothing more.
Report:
5,42,18
